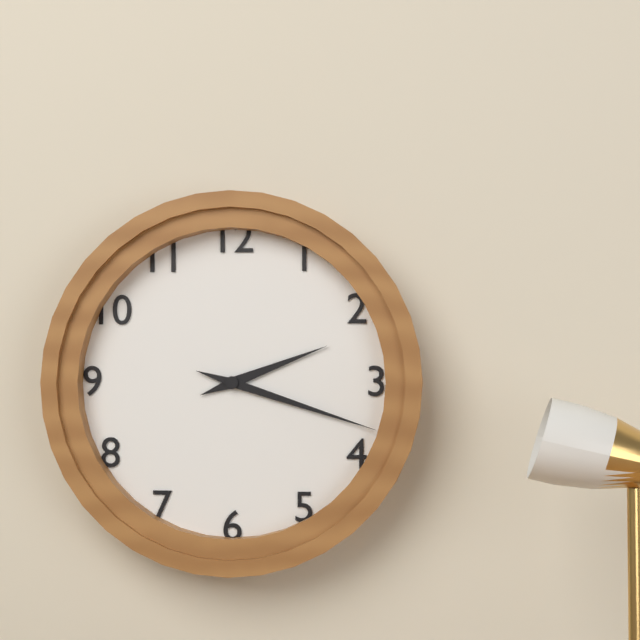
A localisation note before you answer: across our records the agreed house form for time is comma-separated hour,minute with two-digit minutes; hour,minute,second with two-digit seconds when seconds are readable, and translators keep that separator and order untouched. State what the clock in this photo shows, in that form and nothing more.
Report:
2,18
